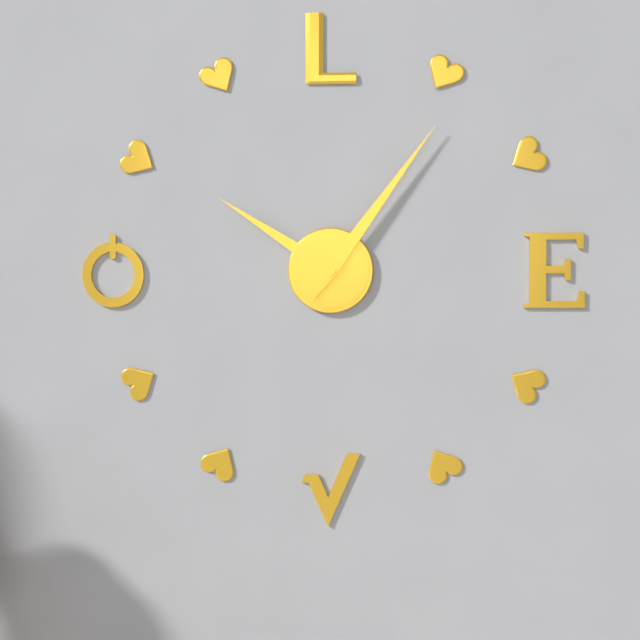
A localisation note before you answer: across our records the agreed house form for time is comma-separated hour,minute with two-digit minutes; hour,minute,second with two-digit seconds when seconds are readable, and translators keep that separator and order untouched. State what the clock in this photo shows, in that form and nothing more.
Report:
10,06
